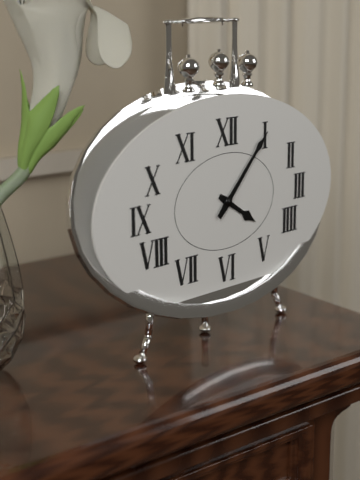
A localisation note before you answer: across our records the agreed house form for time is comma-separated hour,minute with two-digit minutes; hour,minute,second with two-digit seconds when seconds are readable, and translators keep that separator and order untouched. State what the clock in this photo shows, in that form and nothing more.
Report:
4,07
